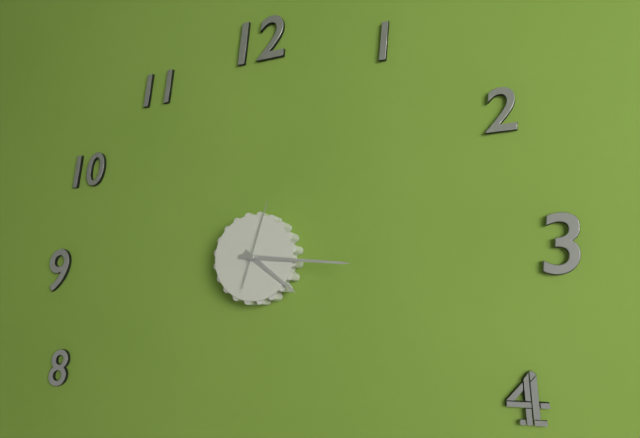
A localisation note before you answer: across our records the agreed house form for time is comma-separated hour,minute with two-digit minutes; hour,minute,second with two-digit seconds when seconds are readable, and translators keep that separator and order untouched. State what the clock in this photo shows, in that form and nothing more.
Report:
4,16,03
